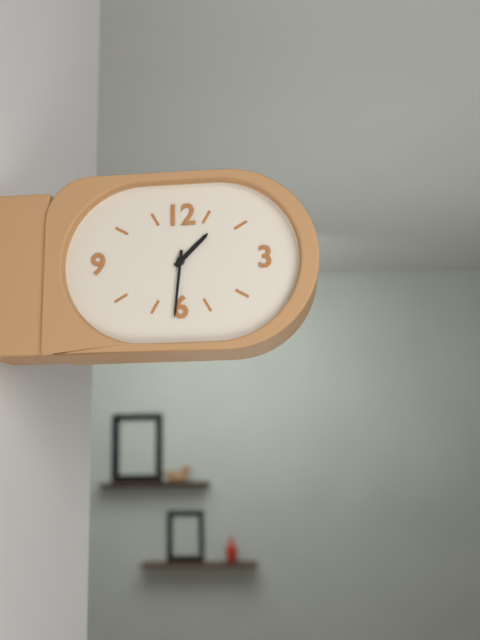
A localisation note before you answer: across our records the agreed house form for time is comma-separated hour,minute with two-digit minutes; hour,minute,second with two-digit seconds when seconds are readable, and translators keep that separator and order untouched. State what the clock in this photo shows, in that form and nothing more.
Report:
1,31
